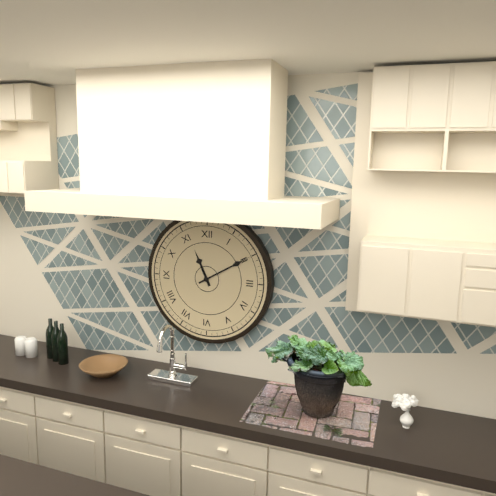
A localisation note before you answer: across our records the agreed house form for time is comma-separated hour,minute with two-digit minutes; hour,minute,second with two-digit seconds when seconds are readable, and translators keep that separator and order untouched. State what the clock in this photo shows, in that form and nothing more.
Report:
11,10
